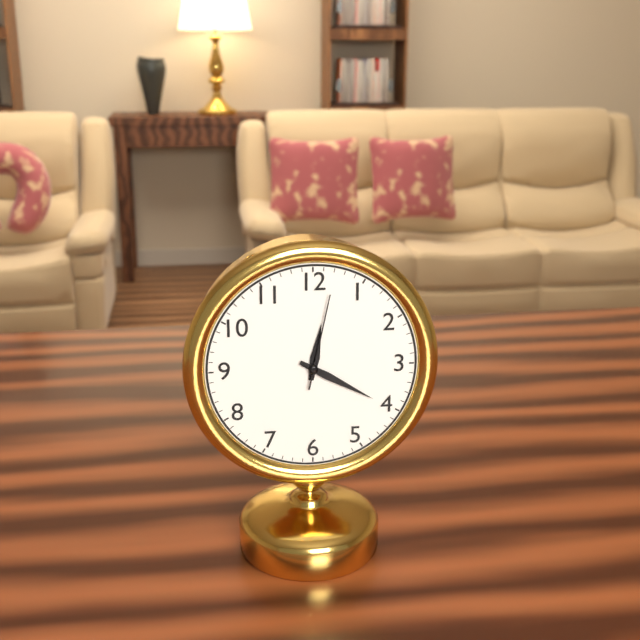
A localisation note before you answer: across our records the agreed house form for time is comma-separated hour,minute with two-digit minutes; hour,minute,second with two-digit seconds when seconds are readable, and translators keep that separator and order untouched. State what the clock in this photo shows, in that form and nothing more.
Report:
12,20,02
